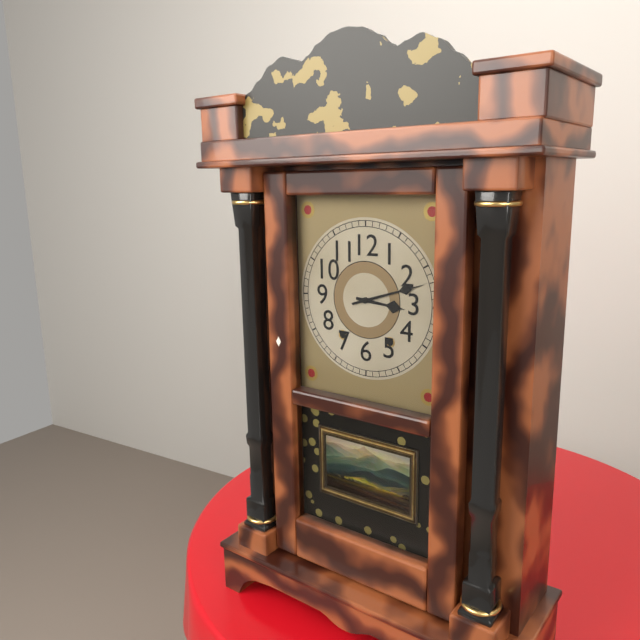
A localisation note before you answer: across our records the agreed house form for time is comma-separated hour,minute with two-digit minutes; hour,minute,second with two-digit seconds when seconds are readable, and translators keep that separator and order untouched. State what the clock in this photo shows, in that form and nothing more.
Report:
3,12
